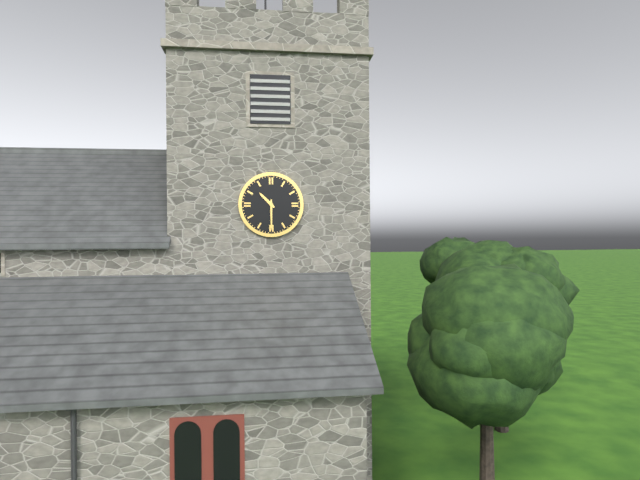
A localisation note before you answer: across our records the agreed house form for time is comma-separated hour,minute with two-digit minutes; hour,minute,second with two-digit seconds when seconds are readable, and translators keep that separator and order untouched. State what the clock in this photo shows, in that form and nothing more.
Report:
10,30
